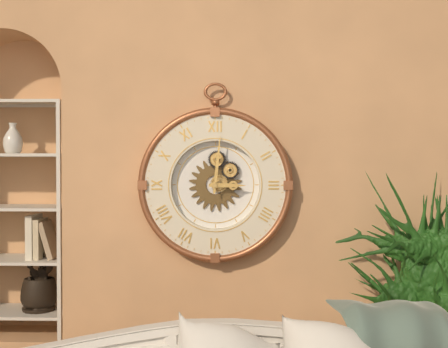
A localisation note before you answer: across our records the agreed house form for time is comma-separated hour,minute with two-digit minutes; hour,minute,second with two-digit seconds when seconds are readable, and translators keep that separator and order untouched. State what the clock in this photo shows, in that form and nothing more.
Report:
3,01
